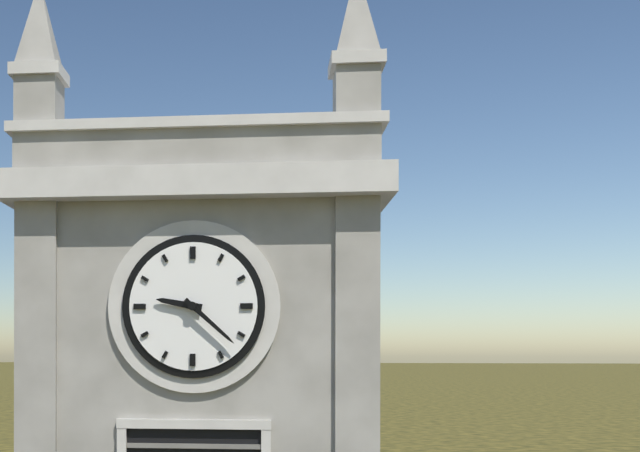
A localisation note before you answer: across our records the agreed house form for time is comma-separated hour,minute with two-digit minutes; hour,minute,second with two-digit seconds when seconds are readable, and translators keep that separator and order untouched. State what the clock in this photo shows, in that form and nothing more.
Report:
9,22
